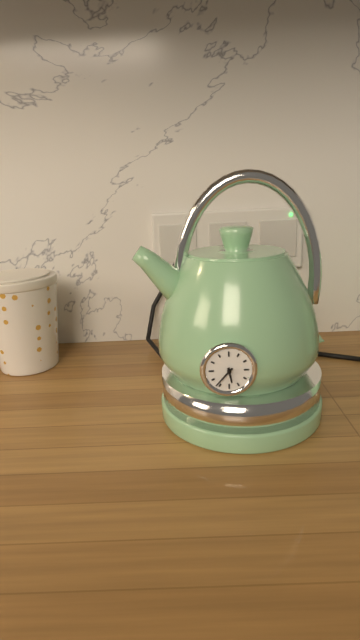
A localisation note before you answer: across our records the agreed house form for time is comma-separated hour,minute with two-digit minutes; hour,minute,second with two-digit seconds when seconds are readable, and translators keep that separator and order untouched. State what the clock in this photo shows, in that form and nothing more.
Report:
5,37
